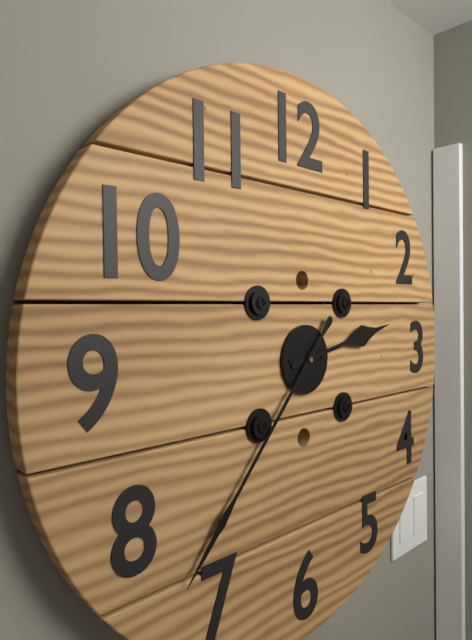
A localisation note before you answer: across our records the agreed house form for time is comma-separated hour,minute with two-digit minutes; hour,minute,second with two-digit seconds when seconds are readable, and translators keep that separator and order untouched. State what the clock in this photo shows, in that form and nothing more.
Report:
2,37
